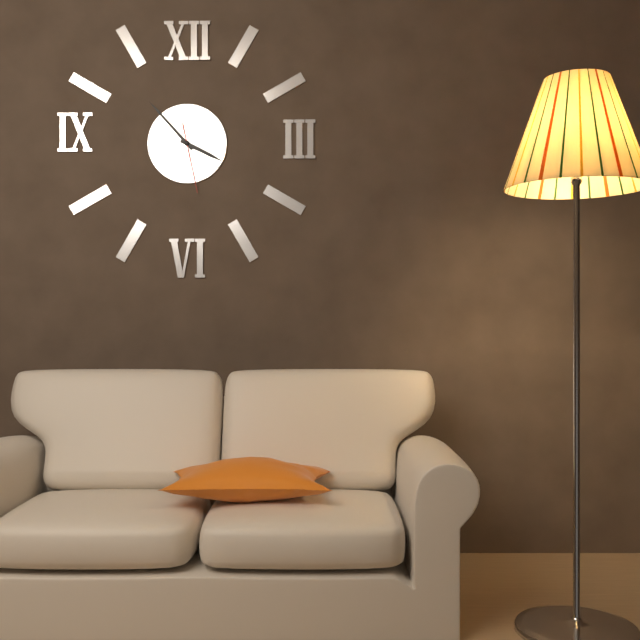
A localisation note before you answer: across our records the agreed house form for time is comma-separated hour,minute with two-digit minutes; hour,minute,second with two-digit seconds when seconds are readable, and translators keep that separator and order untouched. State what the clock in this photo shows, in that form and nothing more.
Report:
3,53,28
